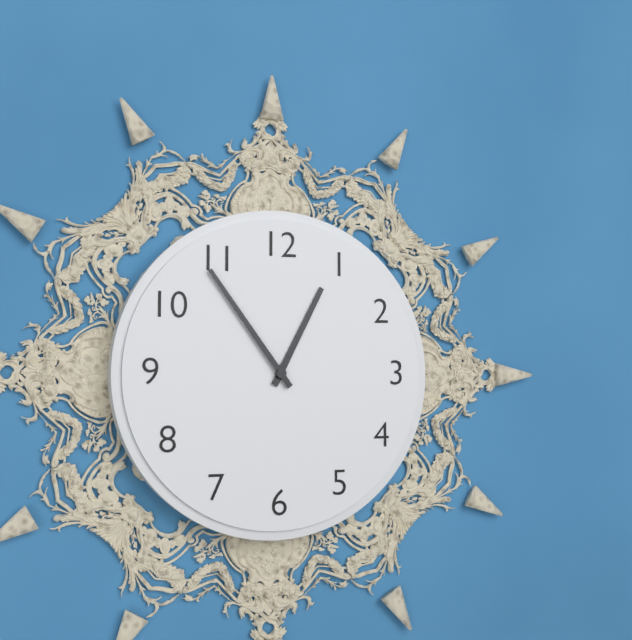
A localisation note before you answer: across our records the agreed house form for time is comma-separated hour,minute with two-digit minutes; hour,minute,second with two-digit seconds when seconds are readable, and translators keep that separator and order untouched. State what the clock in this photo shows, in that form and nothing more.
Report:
12,54
